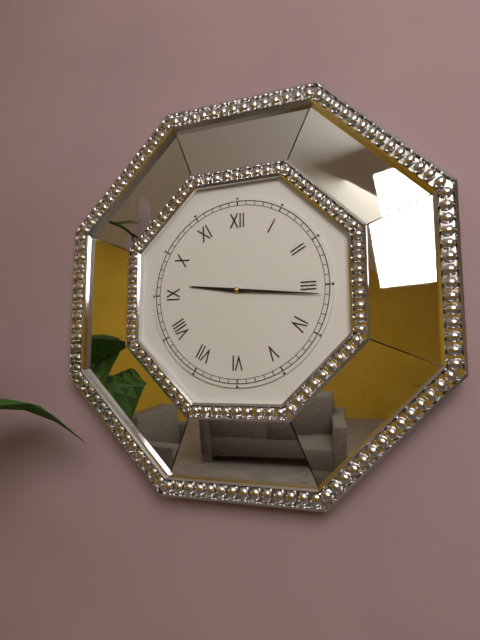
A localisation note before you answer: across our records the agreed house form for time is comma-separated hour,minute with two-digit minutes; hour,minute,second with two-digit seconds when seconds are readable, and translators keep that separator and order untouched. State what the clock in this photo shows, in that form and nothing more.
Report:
9,16
